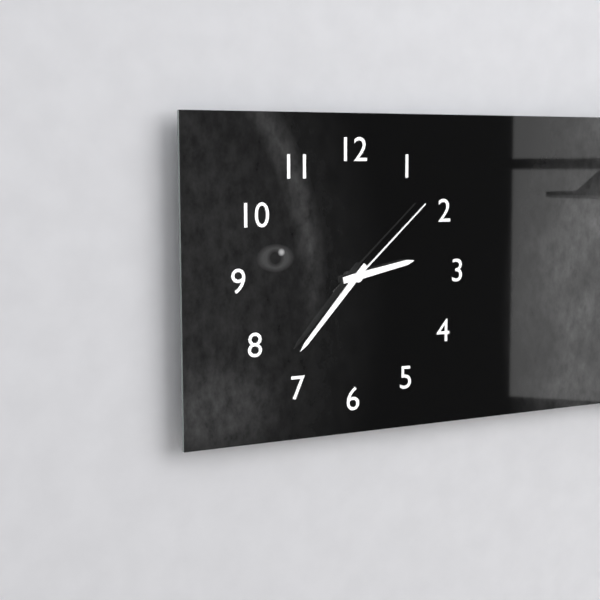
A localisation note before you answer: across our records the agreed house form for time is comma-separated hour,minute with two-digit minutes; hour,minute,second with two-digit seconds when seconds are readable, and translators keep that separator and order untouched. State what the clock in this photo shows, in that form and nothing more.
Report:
2,37,08
